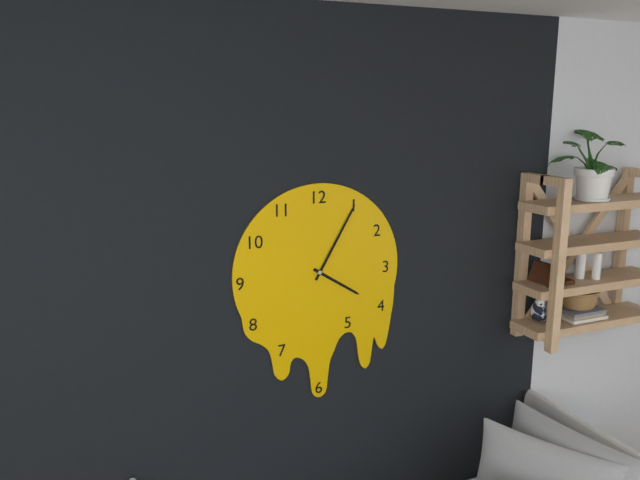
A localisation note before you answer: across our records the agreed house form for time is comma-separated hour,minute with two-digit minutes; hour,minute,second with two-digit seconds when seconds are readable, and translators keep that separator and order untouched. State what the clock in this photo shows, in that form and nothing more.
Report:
4,05
